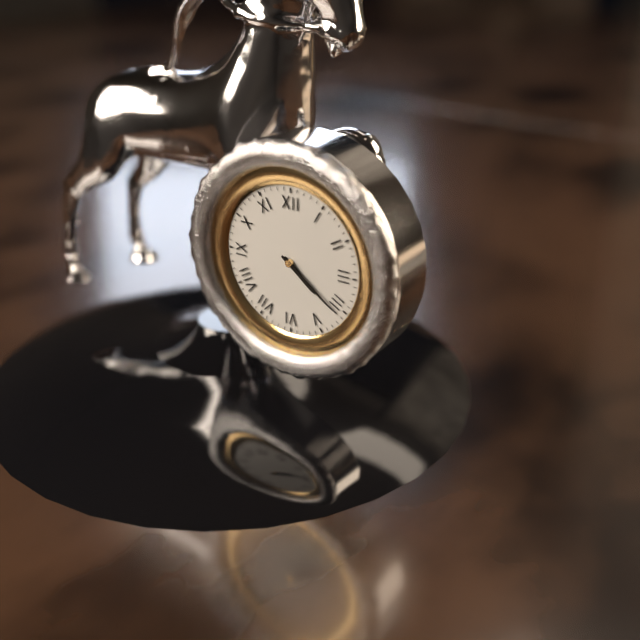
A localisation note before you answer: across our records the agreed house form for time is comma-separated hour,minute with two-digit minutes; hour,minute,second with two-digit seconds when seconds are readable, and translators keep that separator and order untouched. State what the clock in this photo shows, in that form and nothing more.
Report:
4,21
